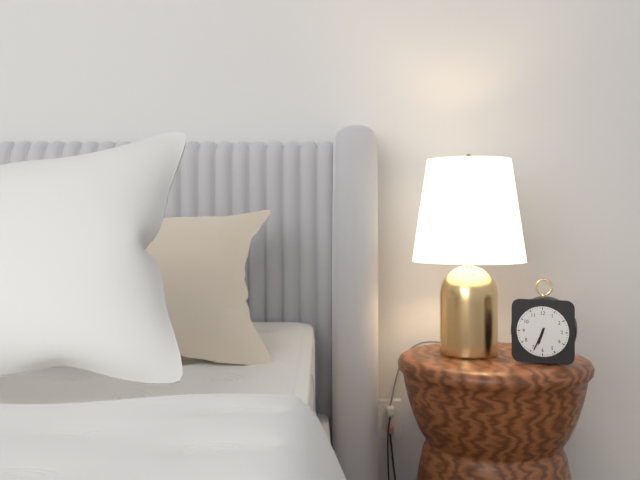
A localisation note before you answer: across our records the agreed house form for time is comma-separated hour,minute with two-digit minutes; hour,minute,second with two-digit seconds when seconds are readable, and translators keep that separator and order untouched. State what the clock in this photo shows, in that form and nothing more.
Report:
6,34
